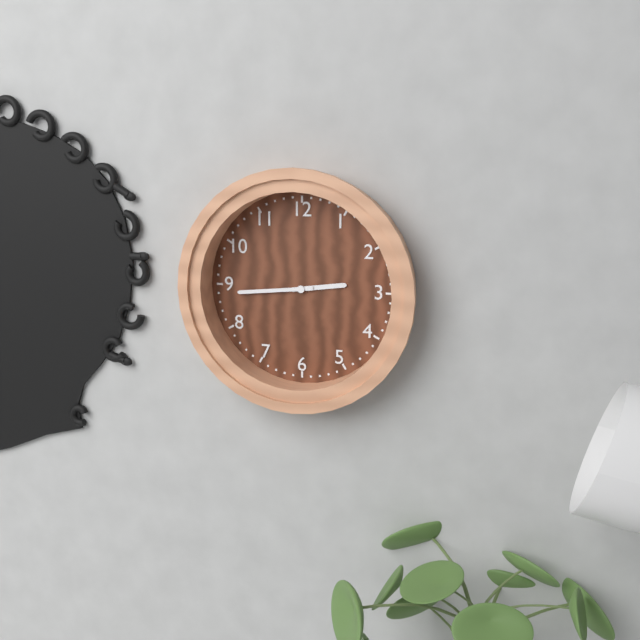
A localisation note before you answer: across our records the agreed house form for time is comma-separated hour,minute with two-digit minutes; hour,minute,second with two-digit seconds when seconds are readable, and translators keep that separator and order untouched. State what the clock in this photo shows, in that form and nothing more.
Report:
2,44
